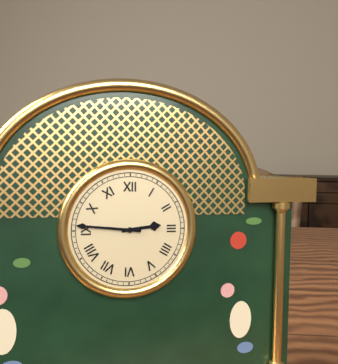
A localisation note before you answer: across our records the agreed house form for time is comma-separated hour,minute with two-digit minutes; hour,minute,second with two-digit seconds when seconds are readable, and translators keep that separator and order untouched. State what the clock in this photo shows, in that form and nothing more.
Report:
2,46
